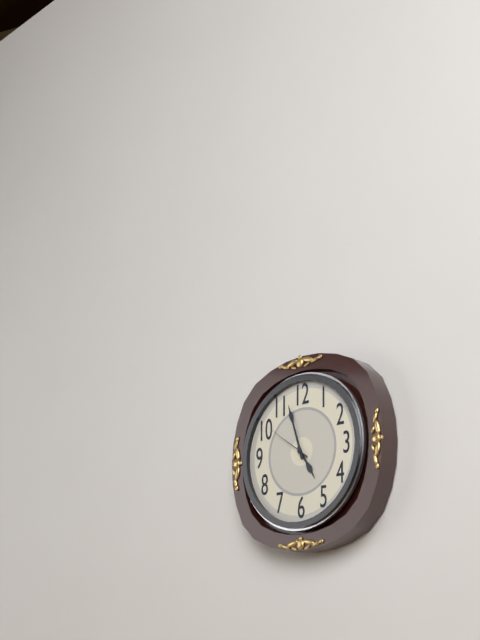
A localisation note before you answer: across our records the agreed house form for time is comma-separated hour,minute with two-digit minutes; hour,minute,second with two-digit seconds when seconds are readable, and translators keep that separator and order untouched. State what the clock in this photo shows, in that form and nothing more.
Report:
4,57,51
